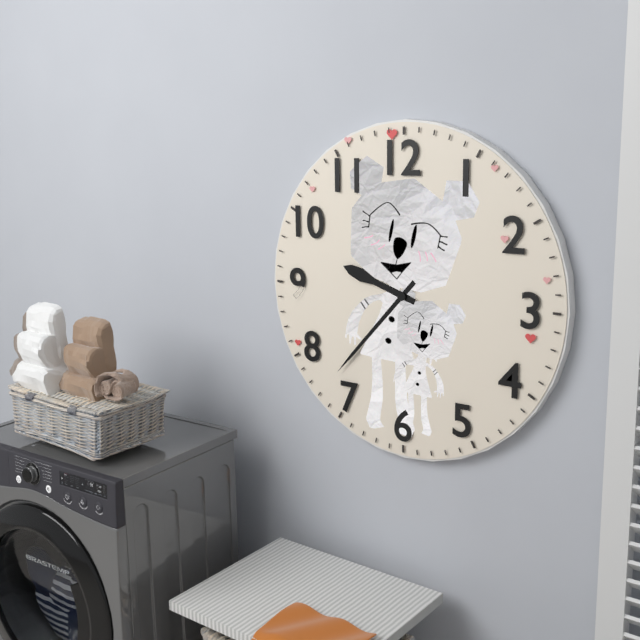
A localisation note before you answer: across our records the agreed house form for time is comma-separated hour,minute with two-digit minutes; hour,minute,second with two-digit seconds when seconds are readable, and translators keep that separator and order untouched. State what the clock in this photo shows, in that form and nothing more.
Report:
9,37
